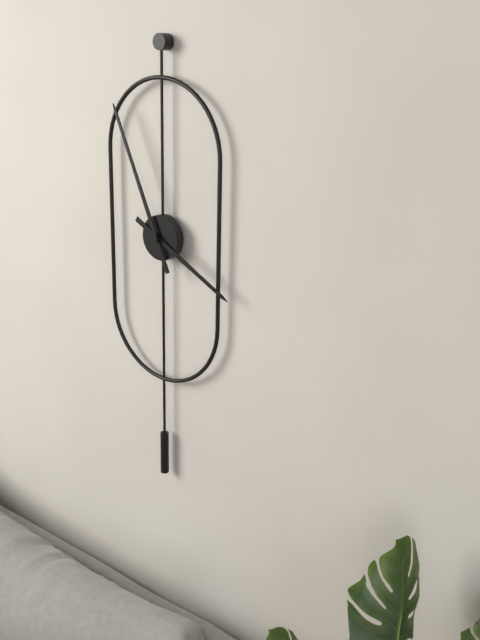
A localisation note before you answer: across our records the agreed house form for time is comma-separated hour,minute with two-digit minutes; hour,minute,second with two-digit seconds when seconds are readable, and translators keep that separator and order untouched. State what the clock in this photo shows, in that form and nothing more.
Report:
3,56
